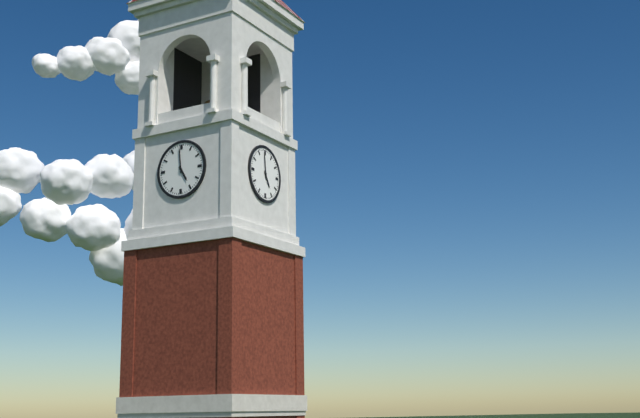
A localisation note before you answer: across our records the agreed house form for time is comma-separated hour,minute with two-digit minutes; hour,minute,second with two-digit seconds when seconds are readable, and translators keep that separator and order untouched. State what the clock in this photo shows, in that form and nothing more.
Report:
4,59
